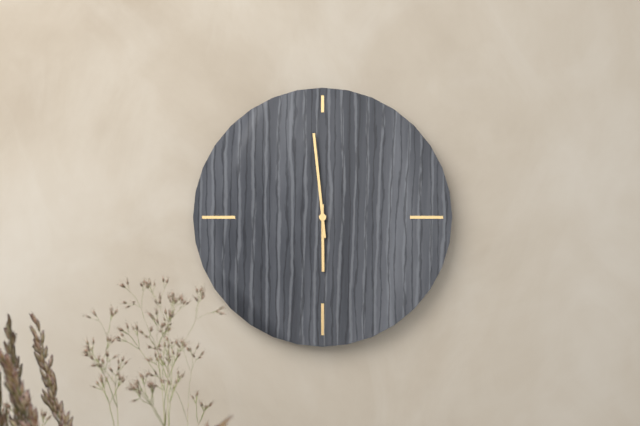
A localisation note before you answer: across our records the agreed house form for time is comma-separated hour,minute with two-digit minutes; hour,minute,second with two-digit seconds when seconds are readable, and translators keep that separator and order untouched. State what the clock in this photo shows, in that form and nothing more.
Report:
5,59
